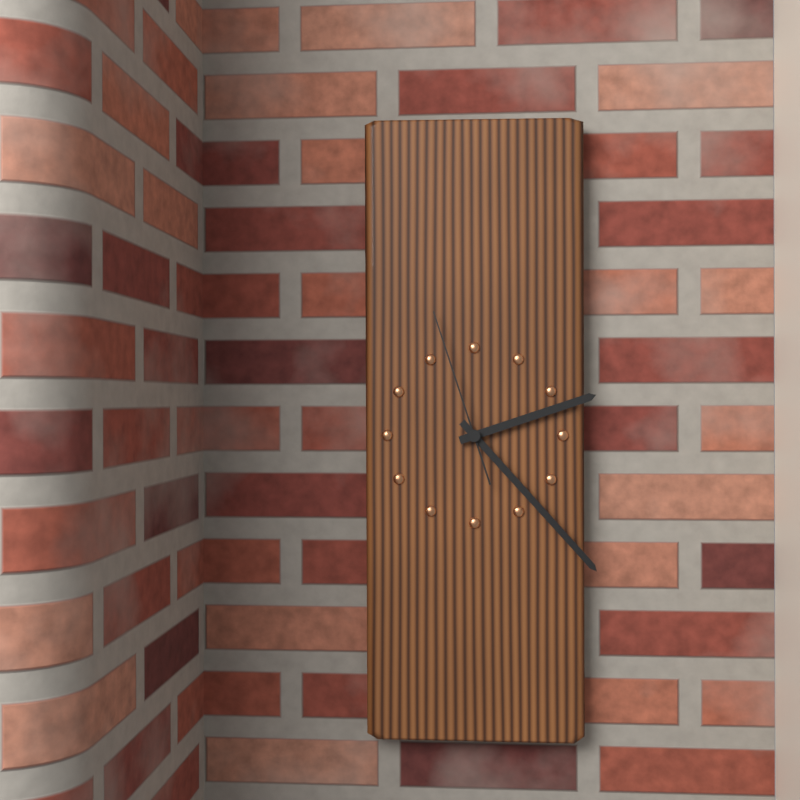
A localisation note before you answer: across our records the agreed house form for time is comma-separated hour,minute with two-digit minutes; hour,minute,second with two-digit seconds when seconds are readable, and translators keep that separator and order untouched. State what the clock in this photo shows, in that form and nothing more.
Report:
2,23,57
